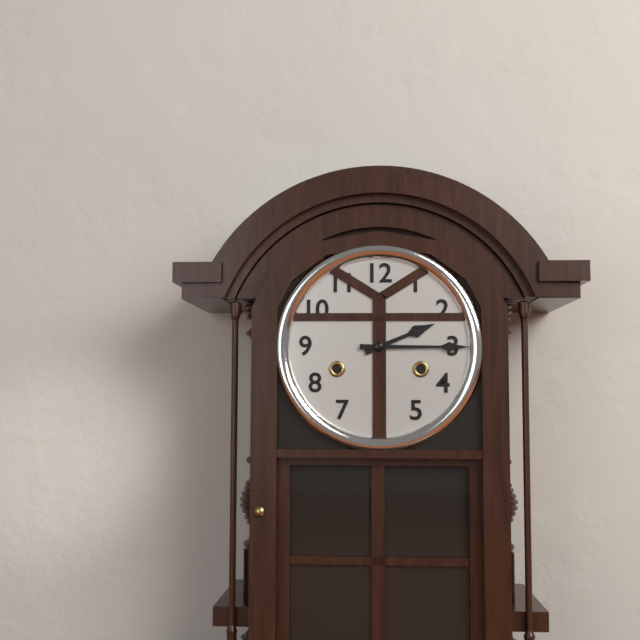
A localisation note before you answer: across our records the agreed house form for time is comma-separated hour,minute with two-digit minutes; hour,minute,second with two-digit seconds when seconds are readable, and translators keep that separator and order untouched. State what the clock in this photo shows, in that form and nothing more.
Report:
2,15
